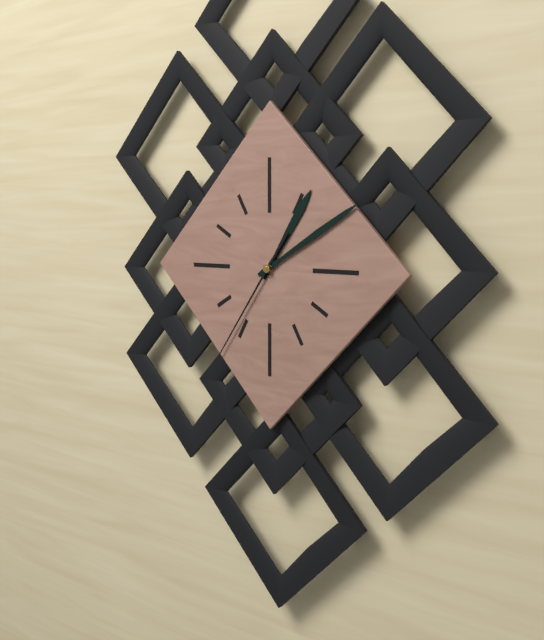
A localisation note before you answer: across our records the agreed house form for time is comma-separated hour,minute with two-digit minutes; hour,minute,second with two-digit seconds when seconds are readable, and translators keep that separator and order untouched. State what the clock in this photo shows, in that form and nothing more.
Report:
1,10,36
